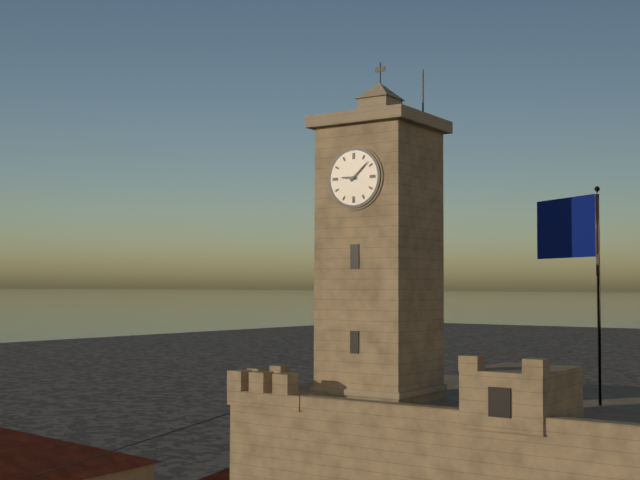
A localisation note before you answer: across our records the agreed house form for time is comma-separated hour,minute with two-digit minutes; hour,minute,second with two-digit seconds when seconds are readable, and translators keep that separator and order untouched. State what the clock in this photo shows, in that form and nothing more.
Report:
9,08
